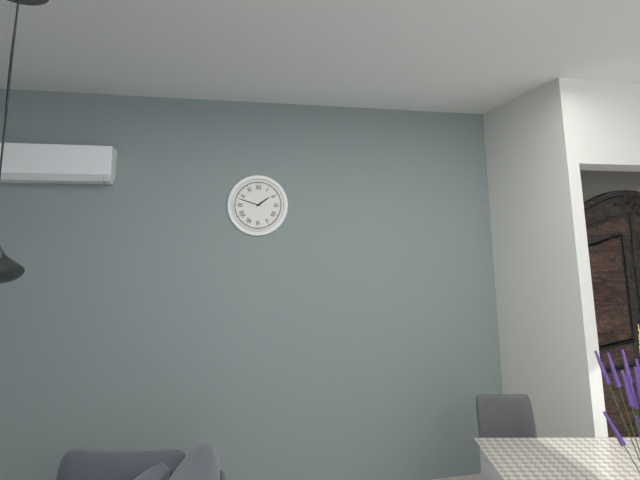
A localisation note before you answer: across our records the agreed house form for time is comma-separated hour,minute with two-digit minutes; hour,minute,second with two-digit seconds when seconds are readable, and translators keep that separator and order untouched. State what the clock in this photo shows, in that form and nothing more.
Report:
1,48
